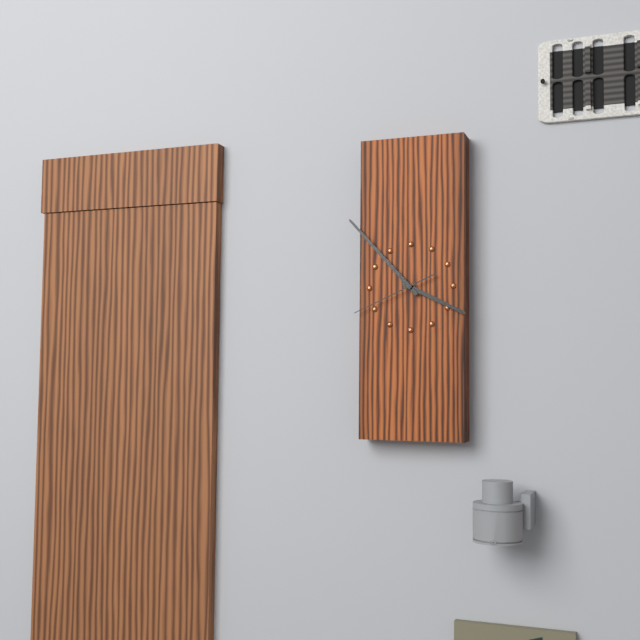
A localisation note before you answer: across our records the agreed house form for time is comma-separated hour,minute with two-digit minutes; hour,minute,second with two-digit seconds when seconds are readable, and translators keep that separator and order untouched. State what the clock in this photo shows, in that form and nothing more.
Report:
3,53,41
